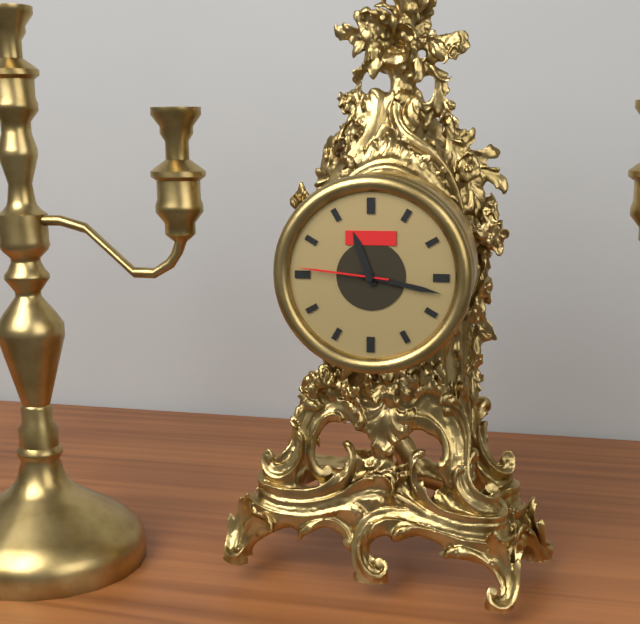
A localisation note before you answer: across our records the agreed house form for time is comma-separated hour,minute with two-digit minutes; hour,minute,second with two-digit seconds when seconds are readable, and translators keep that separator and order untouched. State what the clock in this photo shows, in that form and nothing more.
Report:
11,17,46
